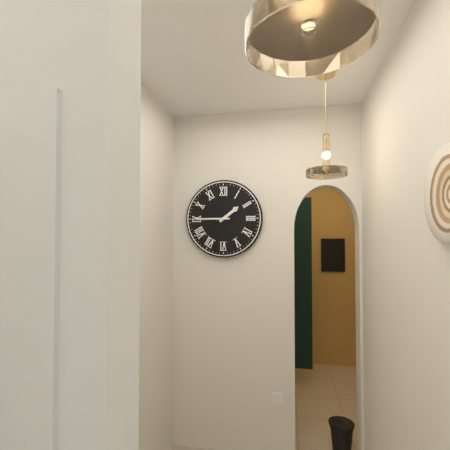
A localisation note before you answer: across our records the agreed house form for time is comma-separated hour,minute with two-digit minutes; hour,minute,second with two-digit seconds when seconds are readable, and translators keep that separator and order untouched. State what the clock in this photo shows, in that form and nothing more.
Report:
1,45
